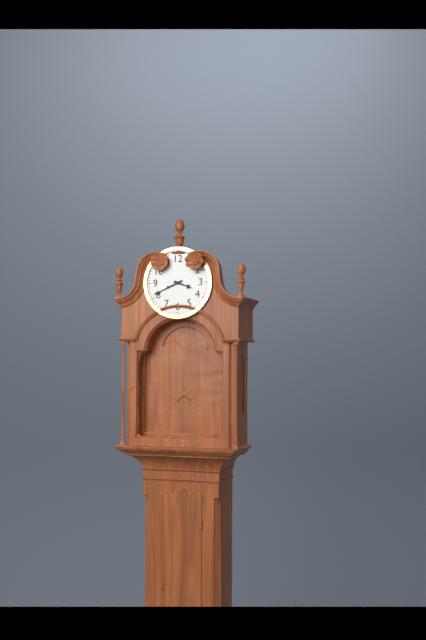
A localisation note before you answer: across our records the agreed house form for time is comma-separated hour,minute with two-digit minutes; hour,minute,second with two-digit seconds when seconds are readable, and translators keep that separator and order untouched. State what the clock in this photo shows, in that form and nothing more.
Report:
3,41
